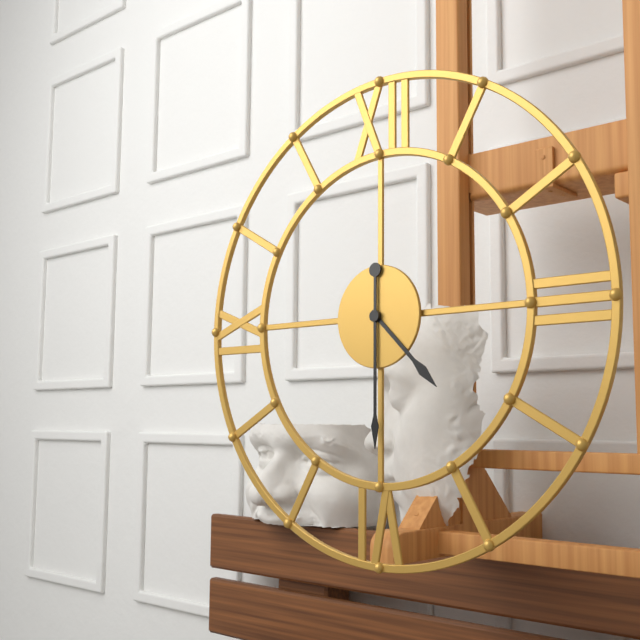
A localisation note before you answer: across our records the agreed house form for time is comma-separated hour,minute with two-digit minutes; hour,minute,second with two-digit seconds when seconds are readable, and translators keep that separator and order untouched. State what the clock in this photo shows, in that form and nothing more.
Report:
4,30
